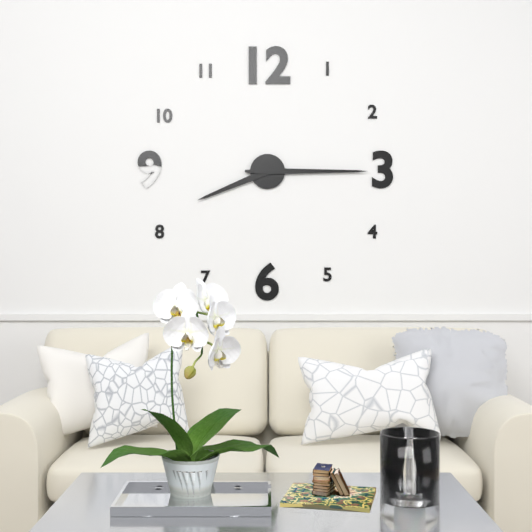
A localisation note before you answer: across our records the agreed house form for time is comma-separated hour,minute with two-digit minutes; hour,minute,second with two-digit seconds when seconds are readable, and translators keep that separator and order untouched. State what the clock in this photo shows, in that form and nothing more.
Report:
8,15
